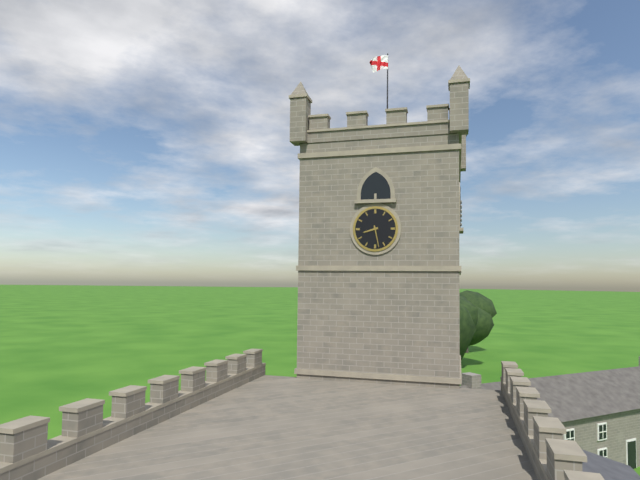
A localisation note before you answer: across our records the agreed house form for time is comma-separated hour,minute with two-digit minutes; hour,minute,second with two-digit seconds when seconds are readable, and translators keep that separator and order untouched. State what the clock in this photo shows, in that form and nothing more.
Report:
8,28
